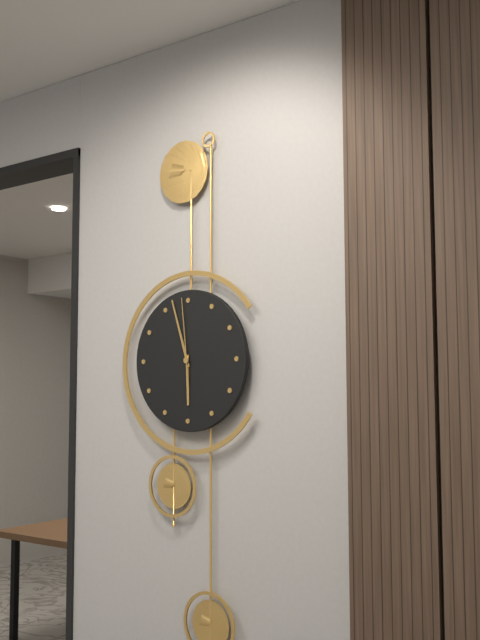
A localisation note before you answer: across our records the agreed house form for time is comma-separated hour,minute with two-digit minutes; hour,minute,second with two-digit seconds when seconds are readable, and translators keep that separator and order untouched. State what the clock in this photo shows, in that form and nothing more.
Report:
5,57,59
